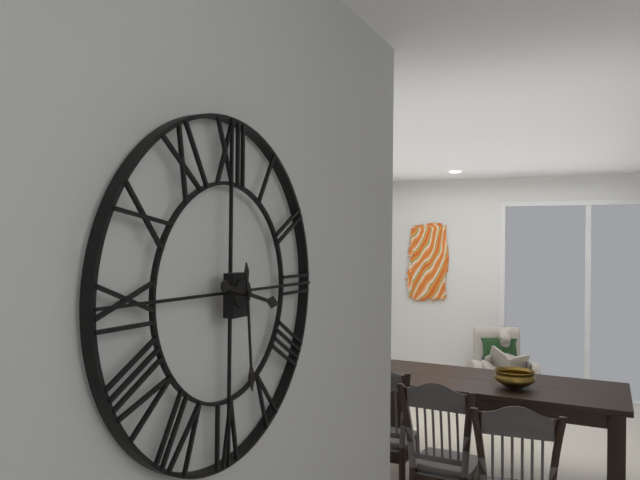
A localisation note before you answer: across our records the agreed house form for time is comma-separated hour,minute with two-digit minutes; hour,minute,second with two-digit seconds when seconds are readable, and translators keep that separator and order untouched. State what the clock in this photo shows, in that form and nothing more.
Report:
3,29
